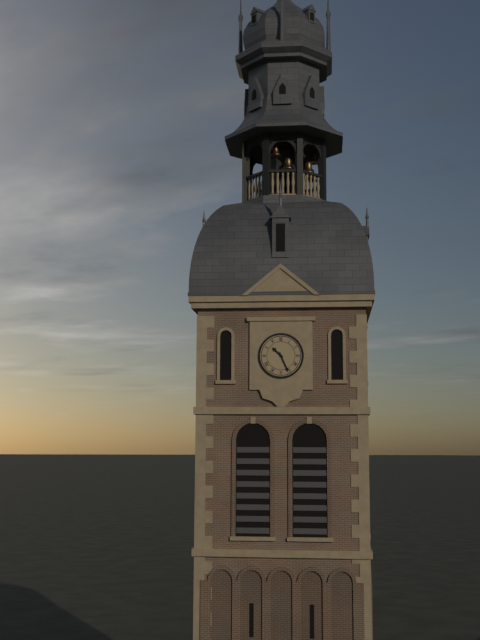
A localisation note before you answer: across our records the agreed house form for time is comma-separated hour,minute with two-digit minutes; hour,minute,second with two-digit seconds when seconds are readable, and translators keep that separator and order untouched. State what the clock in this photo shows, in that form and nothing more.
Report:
10,26
